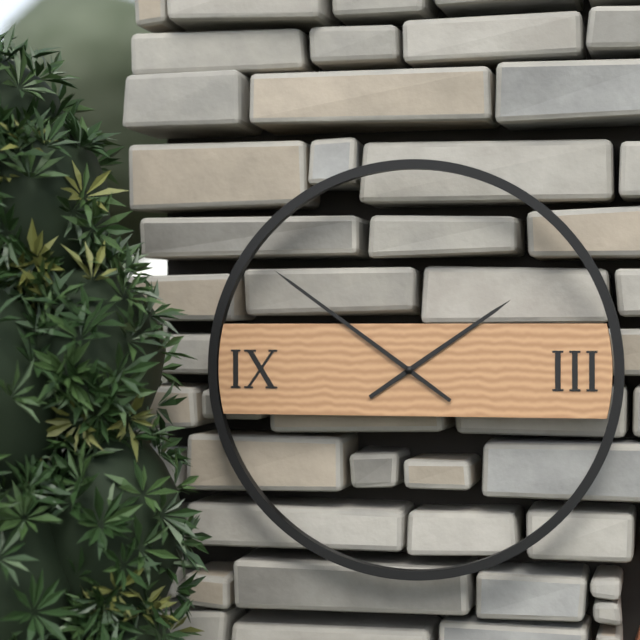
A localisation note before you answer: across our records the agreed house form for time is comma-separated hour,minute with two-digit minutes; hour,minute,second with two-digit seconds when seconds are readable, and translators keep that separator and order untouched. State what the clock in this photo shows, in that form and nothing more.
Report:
1,51
